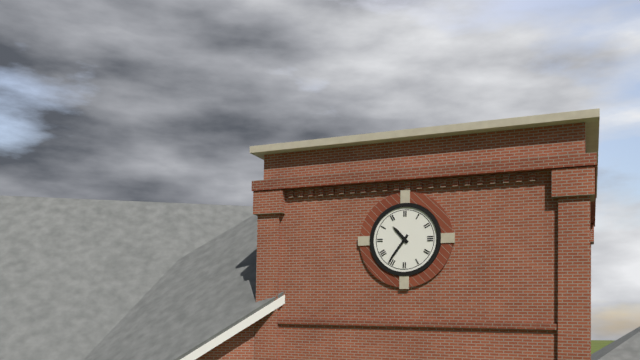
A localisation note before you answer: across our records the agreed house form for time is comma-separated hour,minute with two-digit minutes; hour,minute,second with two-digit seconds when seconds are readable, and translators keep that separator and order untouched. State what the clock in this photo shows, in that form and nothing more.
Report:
10,36
